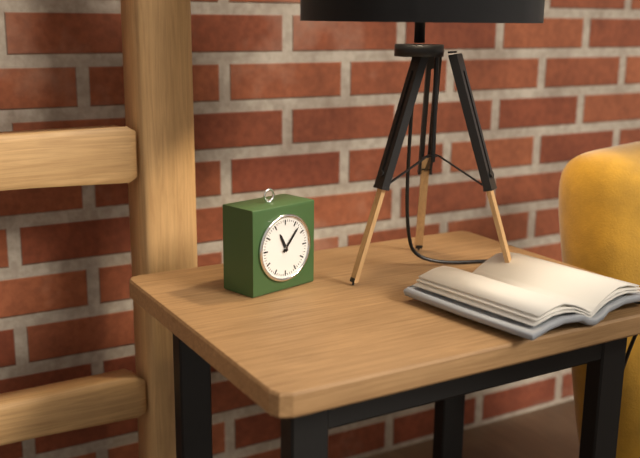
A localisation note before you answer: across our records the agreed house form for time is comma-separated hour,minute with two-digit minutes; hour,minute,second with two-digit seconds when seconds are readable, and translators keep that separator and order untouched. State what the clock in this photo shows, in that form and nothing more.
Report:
11,07
